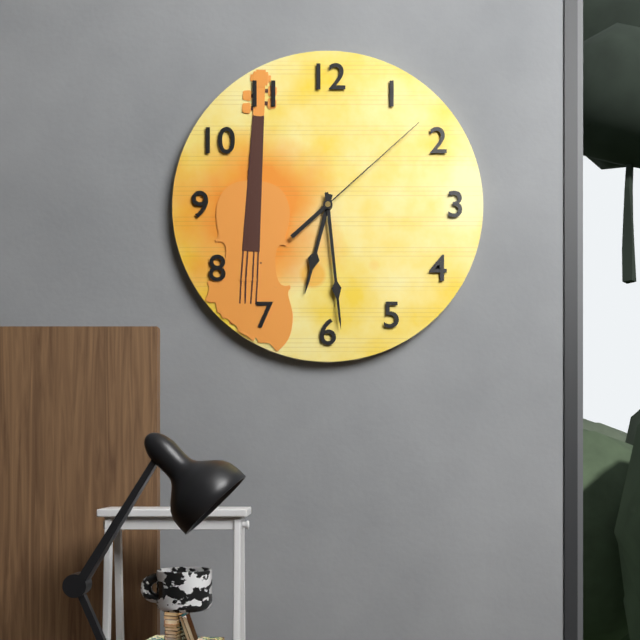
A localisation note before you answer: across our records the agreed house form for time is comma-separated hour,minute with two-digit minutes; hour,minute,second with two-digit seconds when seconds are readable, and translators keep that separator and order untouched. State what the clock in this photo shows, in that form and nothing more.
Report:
6,29,08
